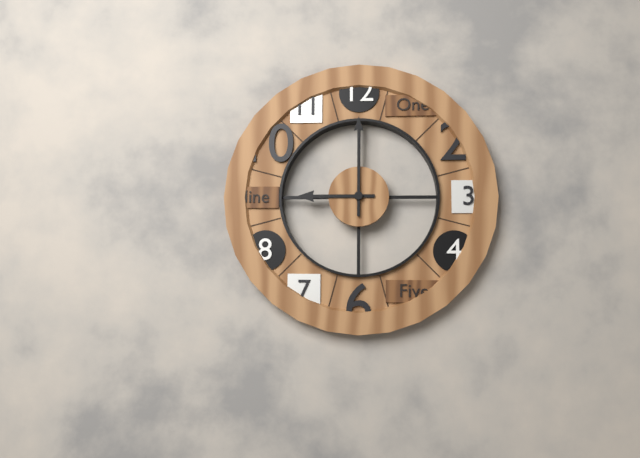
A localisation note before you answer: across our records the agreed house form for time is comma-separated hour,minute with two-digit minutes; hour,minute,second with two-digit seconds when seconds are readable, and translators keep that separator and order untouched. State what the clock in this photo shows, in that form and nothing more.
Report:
9,00
